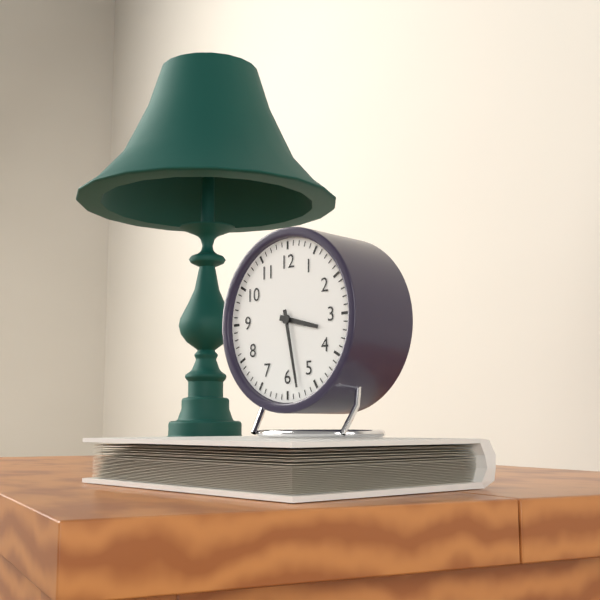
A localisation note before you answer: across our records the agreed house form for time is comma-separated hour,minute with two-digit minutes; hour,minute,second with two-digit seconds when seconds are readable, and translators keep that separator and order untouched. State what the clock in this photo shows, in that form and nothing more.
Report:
3,28
